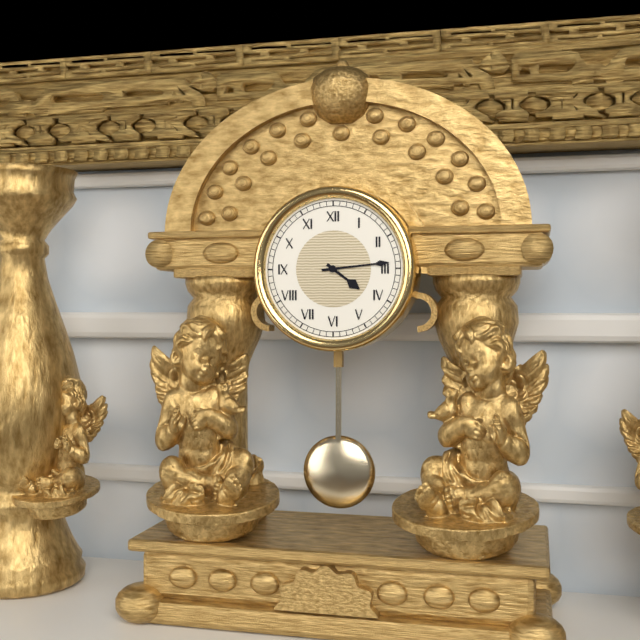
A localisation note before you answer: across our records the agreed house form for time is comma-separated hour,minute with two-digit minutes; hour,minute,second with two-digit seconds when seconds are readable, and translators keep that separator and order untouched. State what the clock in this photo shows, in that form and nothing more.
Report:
4,14
